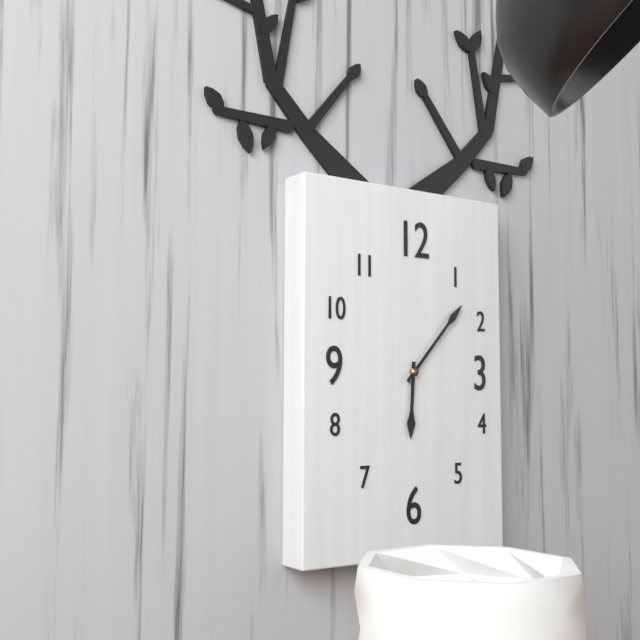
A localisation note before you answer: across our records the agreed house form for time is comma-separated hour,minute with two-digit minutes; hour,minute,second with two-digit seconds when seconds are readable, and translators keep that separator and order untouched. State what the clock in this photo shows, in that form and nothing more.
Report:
6,07
